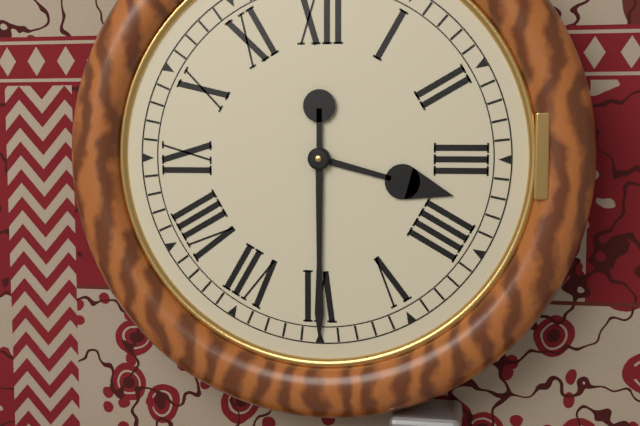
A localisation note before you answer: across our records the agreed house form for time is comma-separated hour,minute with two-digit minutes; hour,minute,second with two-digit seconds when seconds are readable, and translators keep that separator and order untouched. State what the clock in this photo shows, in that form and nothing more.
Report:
3,30
